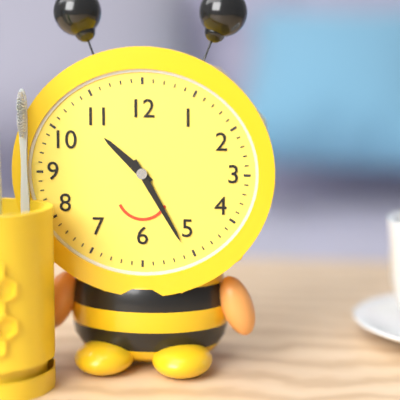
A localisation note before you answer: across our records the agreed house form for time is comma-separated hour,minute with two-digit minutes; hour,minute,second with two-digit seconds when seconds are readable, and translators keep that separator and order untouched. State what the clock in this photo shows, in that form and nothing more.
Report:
10,25
